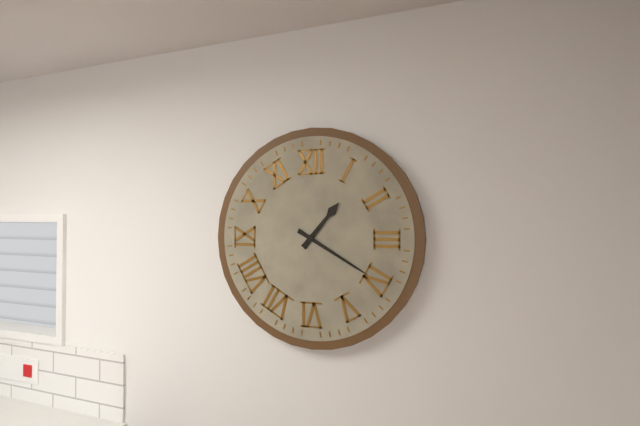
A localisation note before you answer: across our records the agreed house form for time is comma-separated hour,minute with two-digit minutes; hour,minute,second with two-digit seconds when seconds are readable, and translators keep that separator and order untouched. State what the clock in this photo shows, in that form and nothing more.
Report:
1,20
